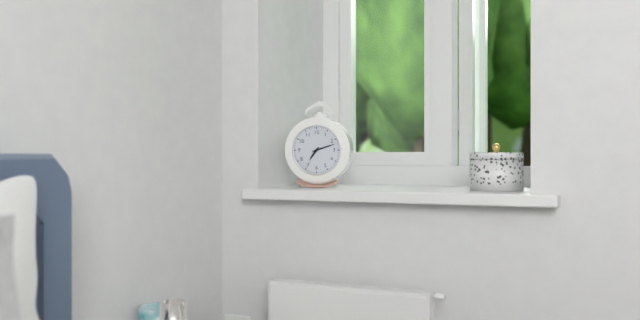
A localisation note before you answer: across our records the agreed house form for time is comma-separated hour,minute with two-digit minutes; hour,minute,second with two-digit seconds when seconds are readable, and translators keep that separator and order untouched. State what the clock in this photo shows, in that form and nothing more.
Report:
7,12
